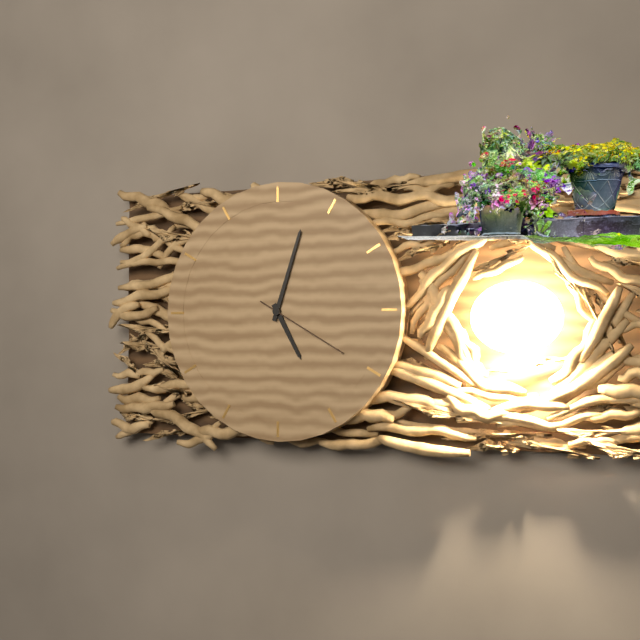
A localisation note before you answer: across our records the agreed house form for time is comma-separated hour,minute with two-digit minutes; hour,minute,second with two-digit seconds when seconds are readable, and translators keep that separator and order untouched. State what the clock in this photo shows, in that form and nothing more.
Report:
5,03,20
